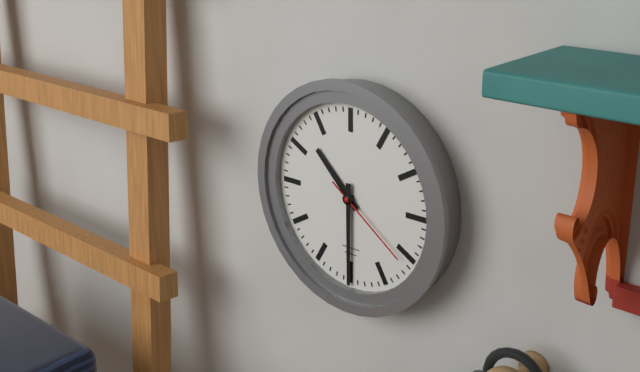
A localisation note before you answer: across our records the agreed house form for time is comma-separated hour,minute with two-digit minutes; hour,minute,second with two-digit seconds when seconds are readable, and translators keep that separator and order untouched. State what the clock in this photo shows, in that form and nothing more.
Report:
10,30,21
